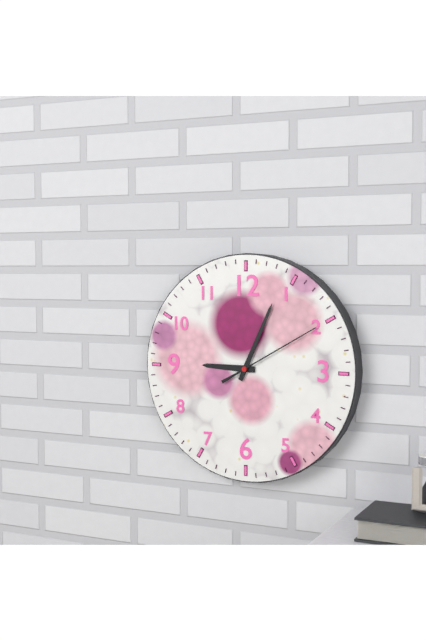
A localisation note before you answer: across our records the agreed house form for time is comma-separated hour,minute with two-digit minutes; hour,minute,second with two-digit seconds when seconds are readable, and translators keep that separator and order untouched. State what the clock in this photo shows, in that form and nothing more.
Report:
9,04,10
